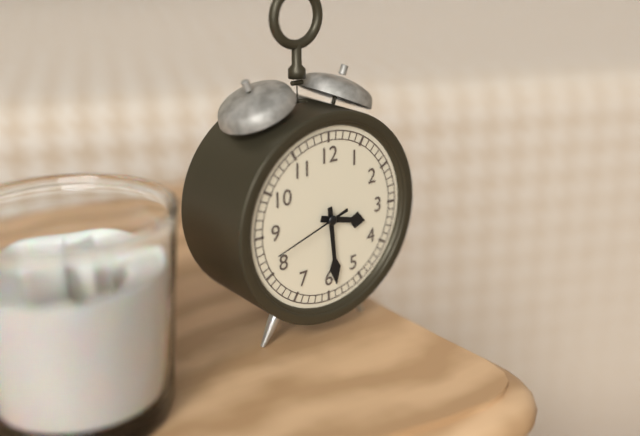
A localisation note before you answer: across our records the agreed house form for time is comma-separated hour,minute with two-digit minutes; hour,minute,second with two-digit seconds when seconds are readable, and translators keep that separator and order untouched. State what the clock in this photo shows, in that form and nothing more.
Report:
3,29,42
